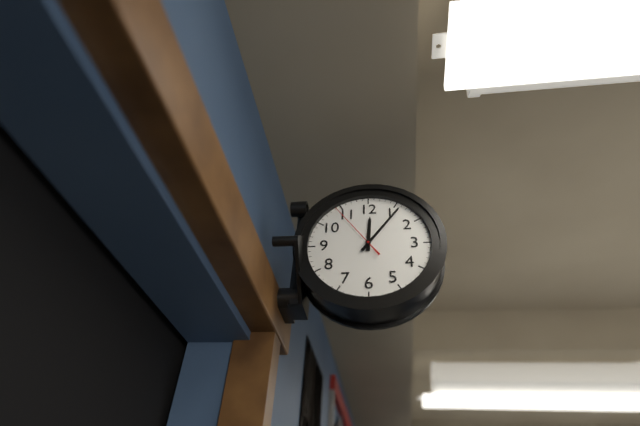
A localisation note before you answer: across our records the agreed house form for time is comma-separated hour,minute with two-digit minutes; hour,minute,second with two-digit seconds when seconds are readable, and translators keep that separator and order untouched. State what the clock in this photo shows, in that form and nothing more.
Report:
12,06,54
